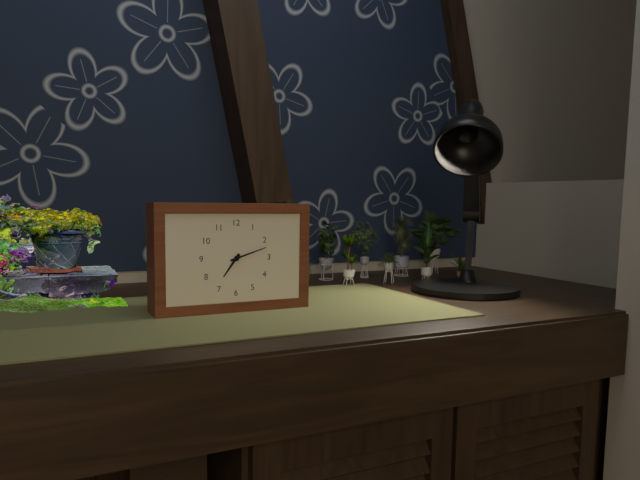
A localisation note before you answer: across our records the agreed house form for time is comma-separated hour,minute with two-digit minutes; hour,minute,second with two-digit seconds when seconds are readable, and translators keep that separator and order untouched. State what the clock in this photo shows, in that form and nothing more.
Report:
7,12
